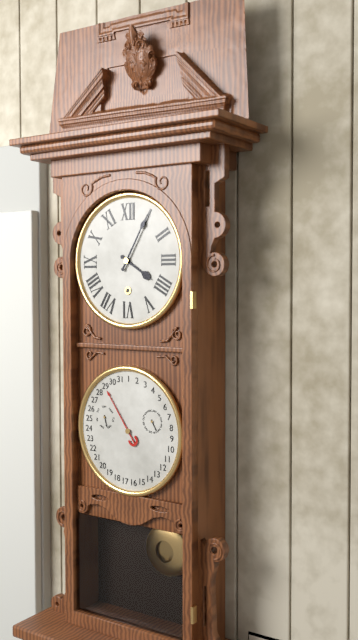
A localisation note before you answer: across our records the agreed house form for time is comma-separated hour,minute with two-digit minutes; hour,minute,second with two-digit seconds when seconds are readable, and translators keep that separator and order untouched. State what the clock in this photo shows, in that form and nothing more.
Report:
4,05
